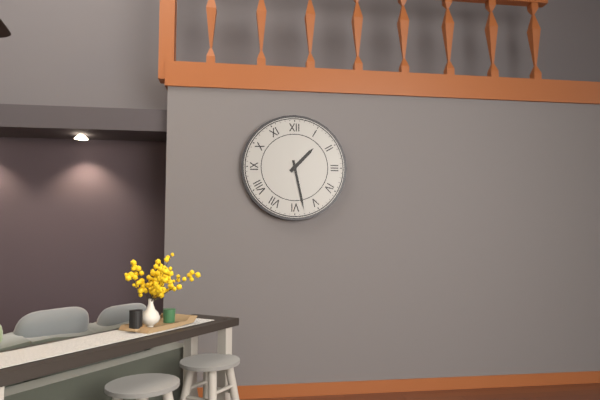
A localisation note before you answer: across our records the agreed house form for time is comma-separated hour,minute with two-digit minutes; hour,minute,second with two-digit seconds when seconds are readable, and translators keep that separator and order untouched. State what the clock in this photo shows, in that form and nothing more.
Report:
1,28
